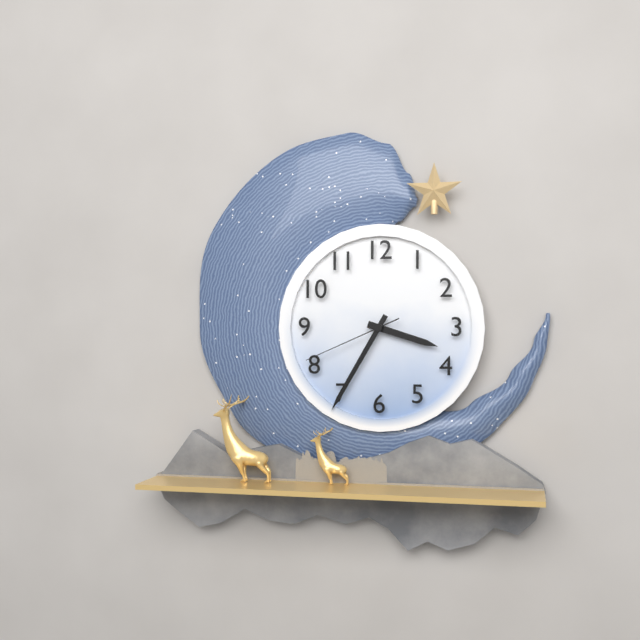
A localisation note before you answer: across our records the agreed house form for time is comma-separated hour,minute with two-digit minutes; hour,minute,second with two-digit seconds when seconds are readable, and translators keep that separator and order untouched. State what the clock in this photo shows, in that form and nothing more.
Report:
3,35,41
